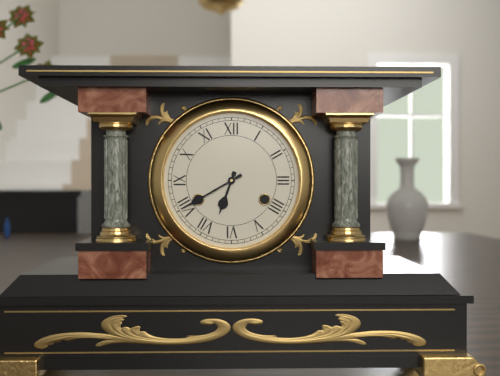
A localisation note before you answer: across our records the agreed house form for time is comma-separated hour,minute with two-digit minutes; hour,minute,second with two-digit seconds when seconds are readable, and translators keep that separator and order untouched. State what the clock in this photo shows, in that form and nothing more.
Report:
6,40
